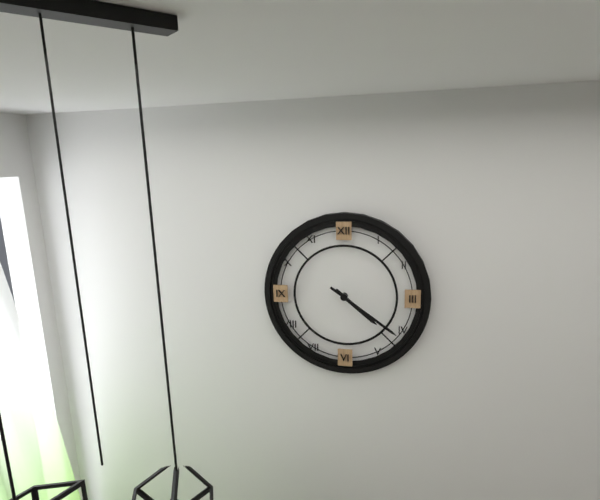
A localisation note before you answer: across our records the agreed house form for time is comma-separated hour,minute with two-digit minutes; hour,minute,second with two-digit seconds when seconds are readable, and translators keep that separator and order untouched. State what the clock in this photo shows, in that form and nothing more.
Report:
4,21
